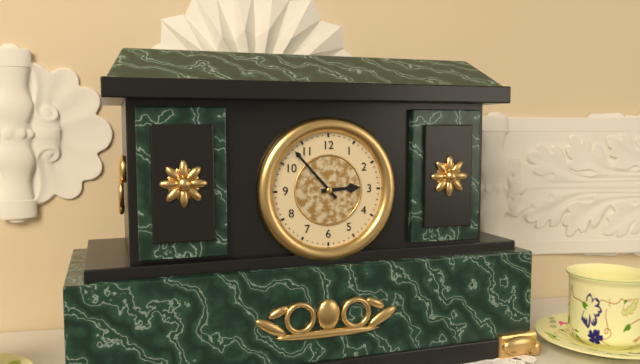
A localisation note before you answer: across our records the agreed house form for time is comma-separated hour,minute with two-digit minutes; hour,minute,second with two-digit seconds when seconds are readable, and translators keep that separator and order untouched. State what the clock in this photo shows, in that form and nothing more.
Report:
2,53
